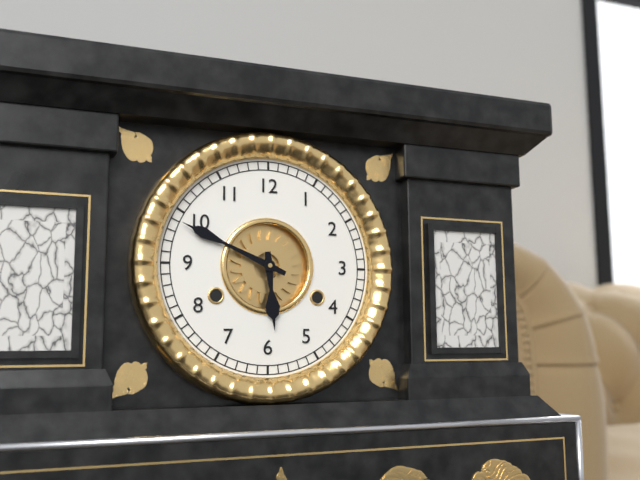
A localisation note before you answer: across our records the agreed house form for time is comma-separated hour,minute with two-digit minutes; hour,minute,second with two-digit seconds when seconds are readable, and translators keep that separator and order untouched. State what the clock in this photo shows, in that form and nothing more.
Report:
5,49
